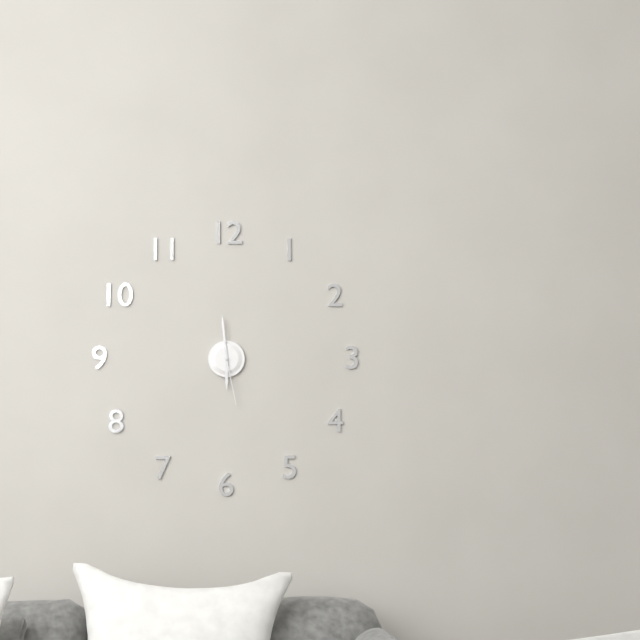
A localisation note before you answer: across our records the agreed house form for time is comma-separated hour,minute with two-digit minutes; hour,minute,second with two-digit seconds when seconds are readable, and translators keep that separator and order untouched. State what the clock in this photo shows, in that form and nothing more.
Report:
5,59,28
